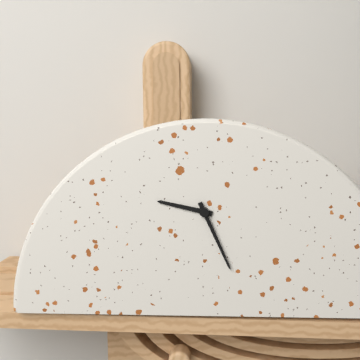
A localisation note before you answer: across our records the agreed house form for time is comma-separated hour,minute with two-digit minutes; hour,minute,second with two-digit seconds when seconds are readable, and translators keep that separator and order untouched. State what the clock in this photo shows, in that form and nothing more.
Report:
9,26
